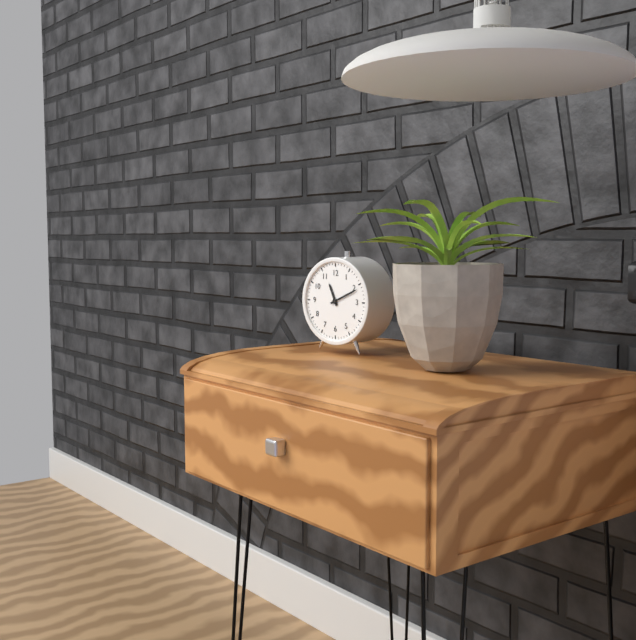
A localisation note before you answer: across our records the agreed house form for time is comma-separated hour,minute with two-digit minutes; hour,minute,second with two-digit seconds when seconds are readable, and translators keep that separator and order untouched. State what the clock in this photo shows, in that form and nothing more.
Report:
11,11
